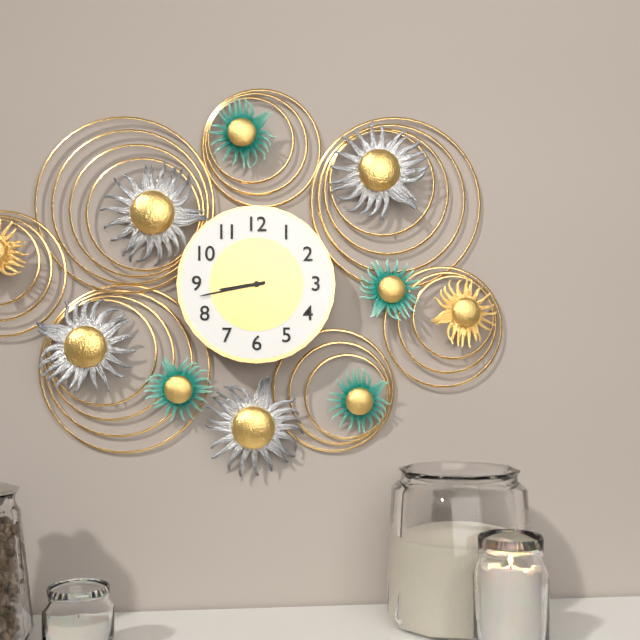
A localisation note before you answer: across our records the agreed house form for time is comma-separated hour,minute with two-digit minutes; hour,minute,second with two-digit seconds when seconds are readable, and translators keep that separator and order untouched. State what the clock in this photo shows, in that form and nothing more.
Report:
8,43
